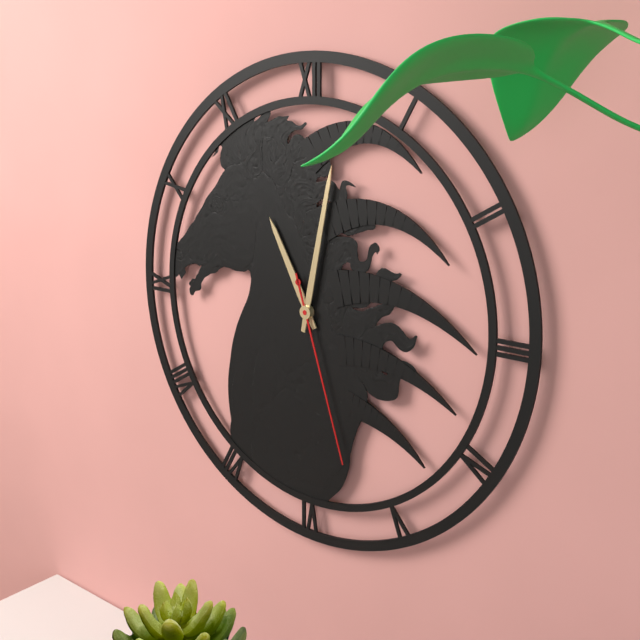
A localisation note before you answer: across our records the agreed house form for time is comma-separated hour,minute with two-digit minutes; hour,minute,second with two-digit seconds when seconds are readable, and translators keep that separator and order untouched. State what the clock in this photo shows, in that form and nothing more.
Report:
11,02,27
